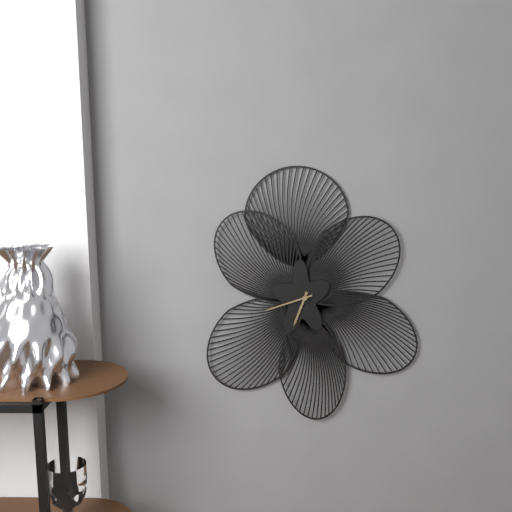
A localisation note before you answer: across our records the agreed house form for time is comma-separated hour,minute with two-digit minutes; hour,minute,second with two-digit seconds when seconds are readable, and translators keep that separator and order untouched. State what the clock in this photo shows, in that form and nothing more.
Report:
6,42
